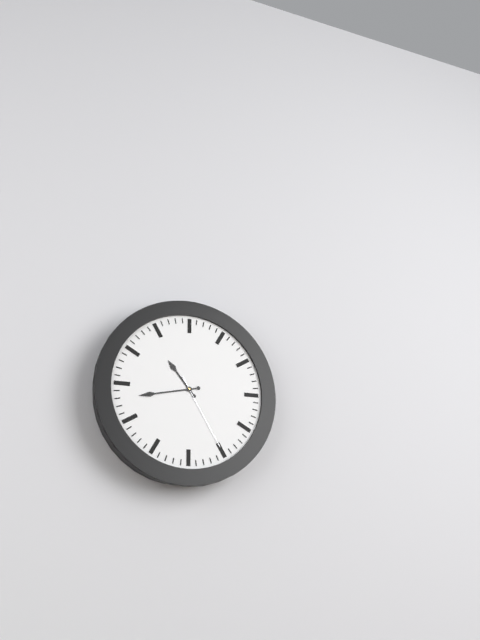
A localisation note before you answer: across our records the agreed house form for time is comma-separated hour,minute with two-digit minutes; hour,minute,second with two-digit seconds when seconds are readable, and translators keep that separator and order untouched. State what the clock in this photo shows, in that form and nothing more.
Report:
10,43,25
